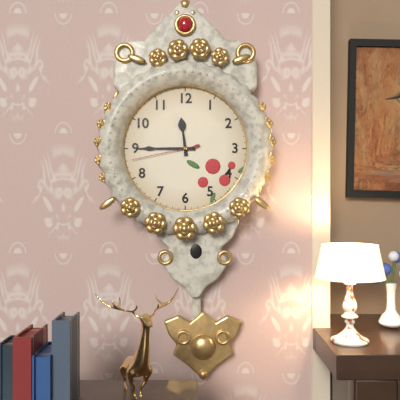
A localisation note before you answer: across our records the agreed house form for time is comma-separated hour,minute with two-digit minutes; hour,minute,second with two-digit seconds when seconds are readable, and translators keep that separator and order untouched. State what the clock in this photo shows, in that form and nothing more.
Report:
11,45,43
